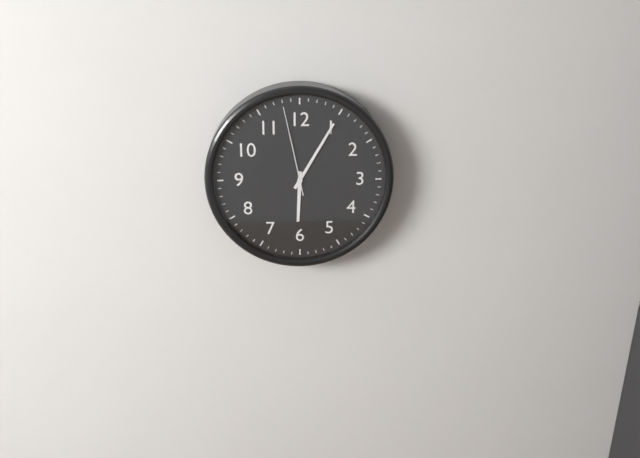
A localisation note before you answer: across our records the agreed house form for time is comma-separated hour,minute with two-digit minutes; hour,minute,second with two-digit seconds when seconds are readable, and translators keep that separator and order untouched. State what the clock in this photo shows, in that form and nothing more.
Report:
6,05,58
